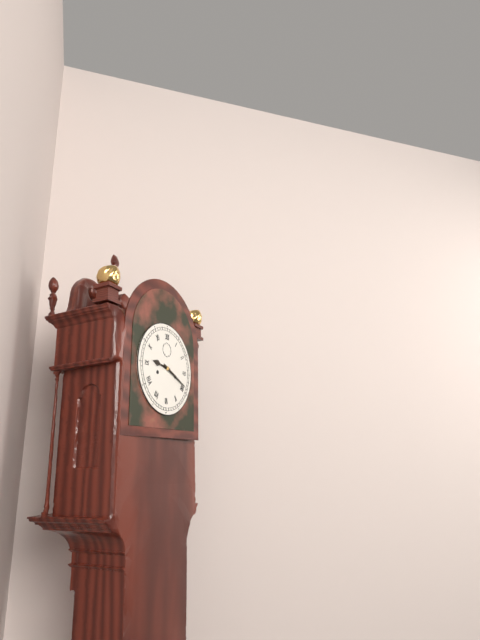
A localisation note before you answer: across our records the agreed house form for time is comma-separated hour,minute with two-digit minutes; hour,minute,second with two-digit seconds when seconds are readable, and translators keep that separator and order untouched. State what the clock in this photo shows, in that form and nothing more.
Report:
9,19
